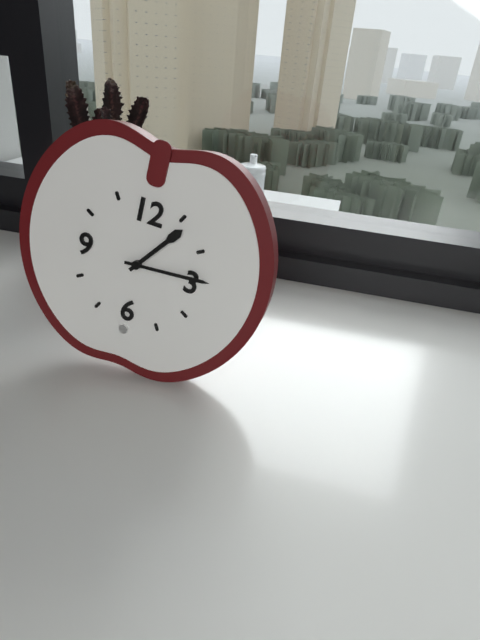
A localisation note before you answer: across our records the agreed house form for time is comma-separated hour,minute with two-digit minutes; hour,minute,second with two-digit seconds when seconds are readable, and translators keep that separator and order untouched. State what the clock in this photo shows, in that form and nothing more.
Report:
1,14
